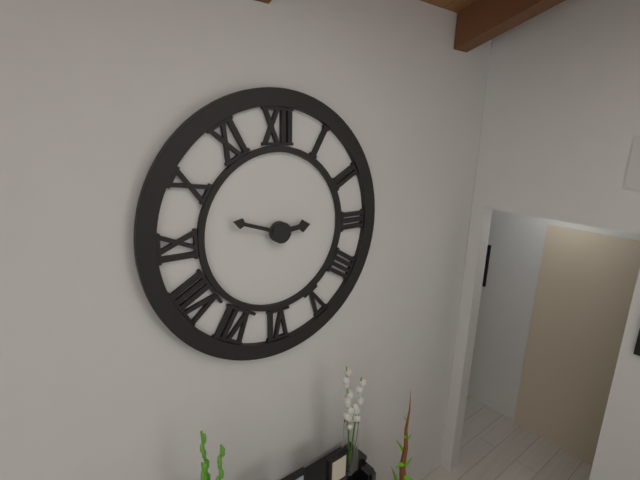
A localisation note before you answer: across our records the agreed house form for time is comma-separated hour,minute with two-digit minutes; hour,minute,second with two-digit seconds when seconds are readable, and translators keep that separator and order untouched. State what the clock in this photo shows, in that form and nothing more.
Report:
2,48
